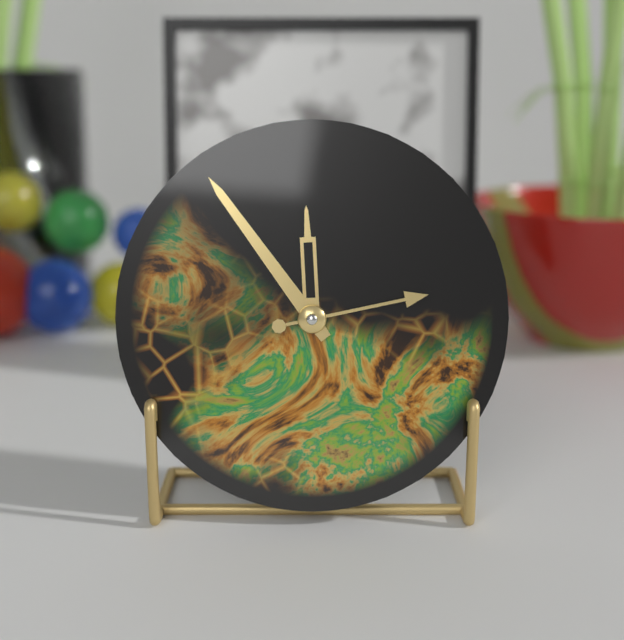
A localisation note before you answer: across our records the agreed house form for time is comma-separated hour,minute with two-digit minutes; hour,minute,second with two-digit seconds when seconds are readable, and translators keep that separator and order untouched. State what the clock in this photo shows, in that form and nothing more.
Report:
11,54,13
